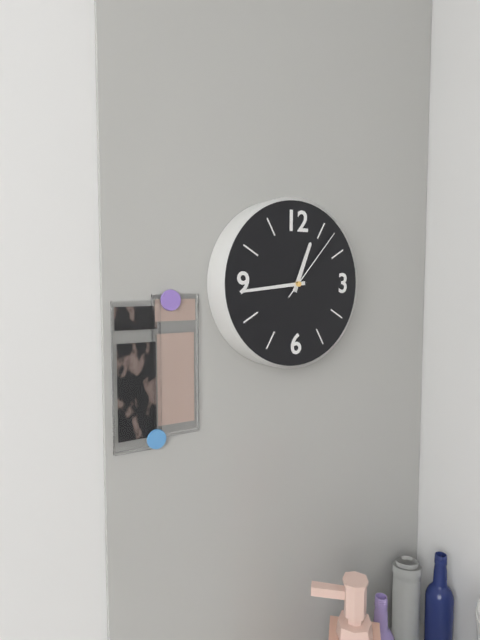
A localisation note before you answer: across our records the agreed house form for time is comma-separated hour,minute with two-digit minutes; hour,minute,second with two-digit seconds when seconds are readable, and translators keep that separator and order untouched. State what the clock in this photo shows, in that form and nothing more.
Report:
12,44,07
